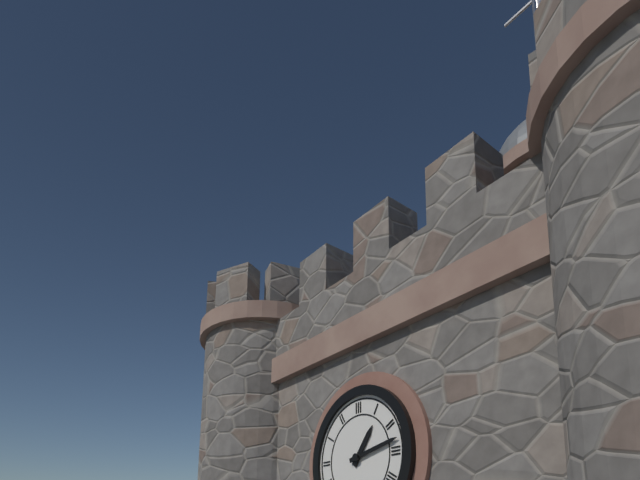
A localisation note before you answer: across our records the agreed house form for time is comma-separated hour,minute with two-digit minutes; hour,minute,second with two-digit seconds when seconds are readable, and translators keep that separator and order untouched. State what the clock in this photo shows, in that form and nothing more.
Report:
1,13
